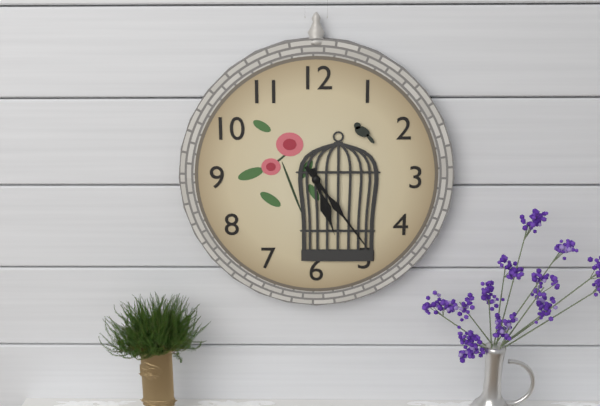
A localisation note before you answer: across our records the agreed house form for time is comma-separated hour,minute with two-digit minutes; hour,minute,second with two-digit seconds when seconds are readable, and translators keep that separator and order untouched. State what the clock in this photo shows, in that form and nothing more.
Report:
5,24
